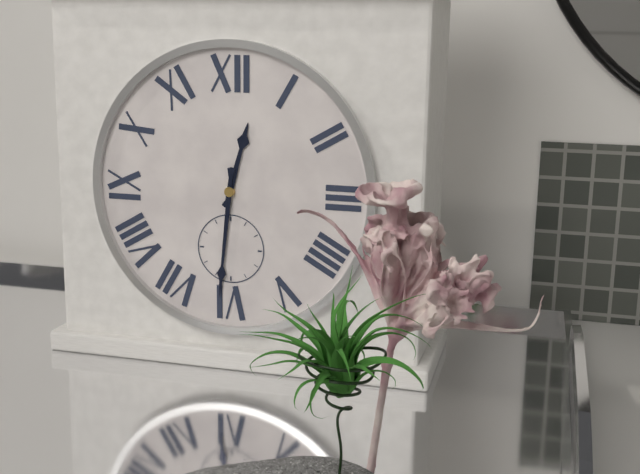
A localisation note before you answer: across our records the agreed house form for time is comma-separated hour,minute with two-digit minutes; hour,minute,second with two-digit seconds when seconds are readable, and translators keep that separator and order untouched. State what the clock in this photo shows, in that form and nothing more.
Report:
12,31
